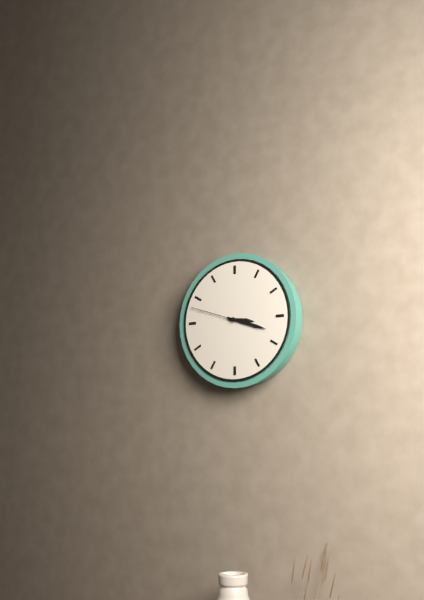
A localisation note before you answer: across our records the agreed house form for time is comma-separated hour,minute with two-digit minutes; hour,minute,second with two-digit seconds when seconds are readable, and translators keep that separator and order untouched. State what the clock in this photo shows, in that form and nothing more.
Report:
3,18,48
